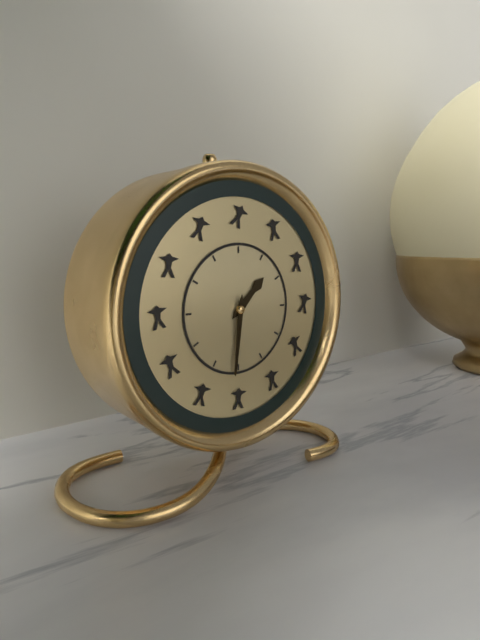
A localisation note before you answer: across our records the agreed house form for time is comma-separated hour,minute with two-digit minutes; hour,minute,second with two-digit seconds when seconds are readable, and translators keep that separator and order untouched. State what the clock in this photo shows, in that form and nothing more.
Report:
1,31
